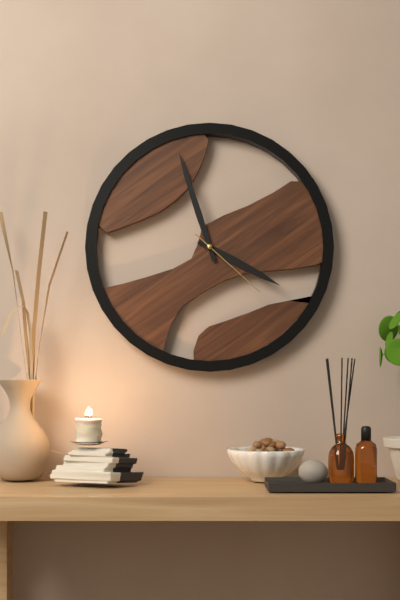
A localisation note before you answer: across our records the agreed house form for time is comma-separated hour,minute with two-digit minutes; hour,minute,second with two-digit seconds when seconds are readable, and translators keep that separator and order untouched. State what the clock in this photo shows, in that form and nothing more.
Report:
3,57,22
